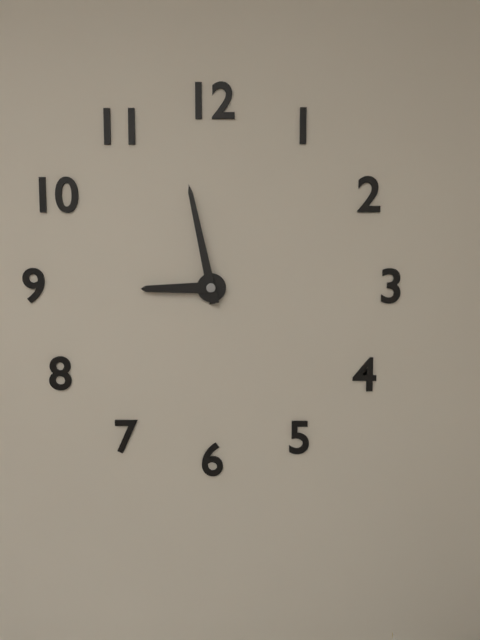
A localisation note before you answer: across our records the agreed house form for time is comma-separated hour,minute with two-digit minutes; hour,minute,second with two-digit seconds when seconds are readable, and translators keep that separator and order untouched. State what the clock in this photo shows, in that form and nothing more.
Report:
8,58
